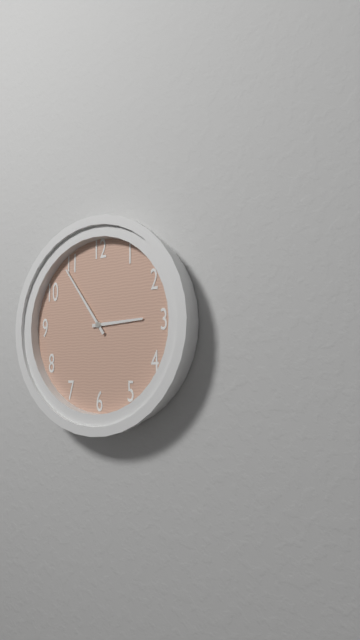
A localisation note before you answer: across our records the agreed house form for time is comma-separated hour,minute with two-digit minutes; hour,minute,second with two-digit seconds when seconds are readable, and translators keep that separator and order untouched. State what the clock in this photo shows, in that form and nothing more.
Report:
2,54
